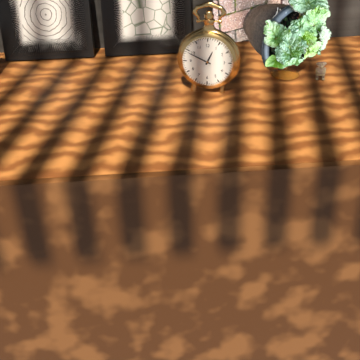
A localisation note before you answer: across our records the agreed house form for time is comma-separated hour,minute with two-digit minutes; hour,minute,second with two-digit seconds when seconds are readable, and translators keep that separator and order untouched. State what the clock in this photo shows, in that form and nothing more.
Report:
12,49
